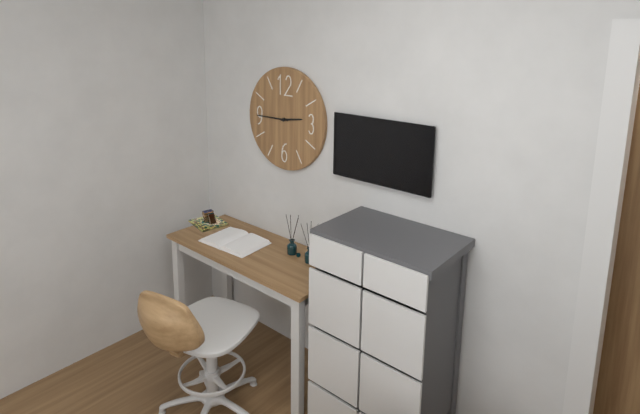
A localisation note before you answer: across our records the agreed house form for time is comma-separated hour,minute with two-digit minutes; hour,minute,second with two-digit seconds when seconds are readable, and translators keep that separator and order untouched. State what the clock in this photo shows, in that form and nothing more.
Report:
2,45
